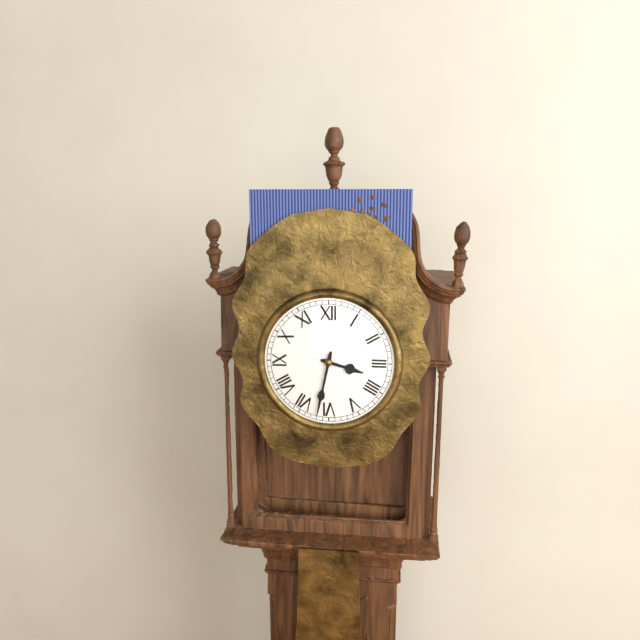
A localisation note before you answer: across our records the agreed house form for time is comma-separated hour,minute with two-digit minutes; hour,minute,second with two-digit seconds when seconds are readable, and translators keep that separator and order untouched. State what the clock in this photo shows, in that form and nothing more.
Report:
3,32
